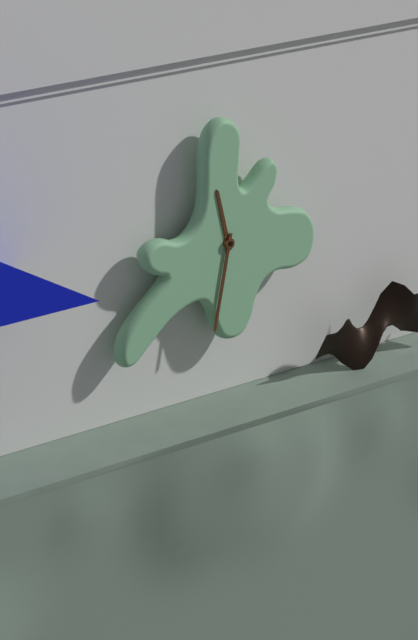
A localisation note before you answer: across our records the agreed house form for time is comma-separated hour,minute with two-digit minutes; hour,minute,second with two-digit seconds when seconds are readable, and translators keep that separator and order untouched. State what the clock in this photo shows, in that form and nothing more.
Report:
11,32
